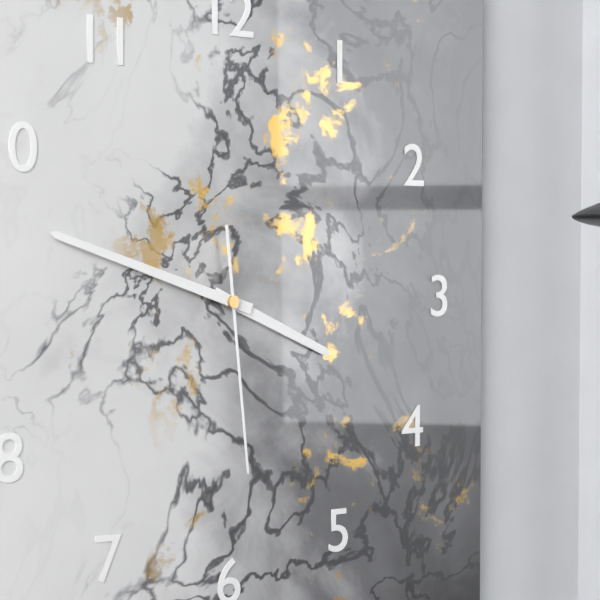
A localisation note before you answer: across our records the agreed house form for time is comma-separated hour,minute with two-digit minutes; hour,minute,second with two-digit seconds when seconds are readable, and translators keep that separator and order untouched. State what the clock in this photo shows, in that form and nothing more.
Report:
3,48,29
